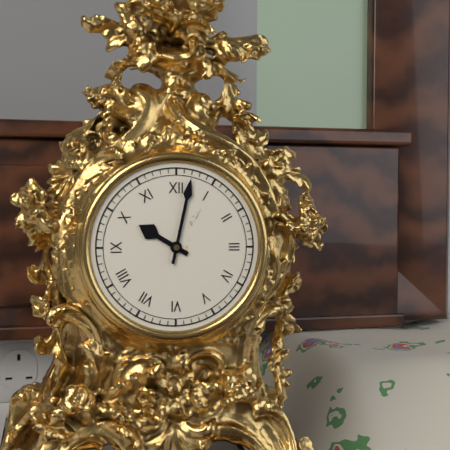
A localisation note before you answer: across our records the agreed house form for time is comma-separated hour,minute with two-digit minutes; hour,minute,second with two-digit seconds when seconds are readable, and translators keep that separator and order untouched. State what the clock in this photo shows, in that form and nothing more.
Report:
10,02
